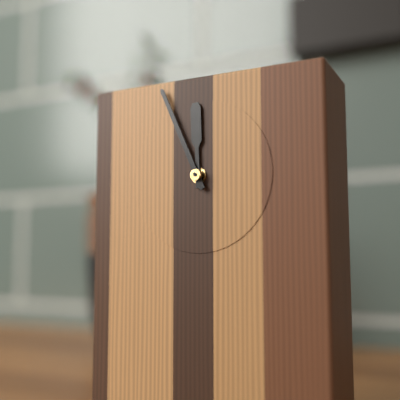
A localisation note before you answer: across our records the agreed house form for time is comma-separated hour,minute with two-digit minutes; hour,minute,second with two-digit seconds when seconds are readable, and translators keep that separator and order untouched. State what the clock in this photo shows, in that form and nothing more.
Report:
11,56
